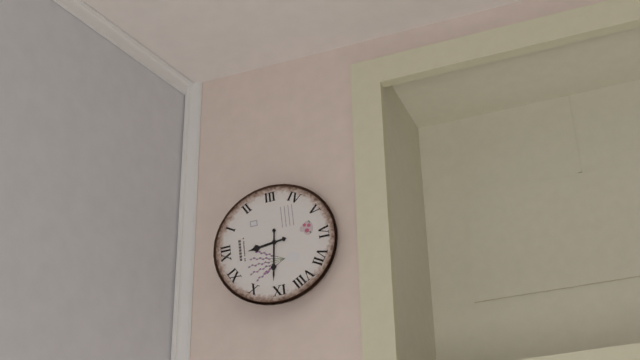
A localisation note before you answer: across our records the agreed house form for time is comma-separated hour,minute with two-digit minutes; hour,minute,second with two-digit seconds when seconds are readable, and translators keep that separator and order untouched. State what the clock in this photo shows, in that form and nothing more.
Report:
11,46
